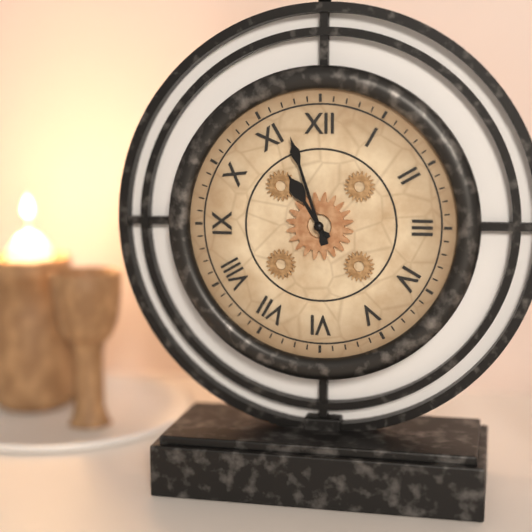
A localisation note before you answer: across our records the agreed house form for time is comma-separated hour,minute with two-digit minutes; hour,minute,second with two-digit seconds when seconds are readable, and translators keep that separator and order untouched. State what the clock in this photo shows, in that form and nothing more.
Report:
10,57
